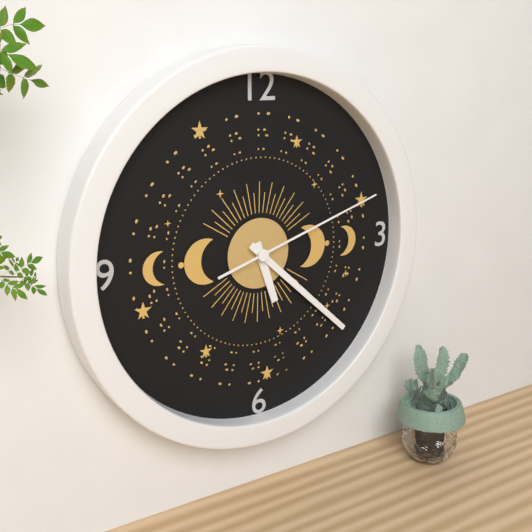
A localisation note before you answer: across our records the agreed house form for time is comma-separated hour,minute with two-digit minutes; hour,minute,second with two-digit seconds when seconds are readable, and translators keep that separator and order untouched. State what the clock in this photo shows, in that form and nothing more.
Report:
5,22,12
